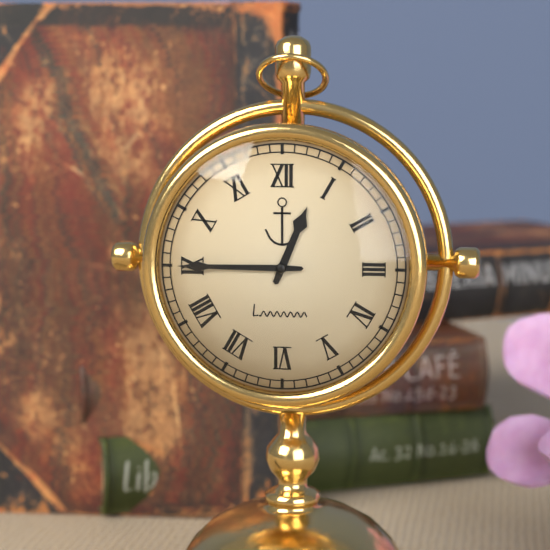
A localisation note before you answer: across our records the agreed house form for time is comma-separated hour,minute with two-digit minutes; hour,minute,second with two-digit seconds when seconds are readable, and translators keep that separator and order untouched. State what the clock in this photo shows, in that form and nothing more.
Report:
12,45
